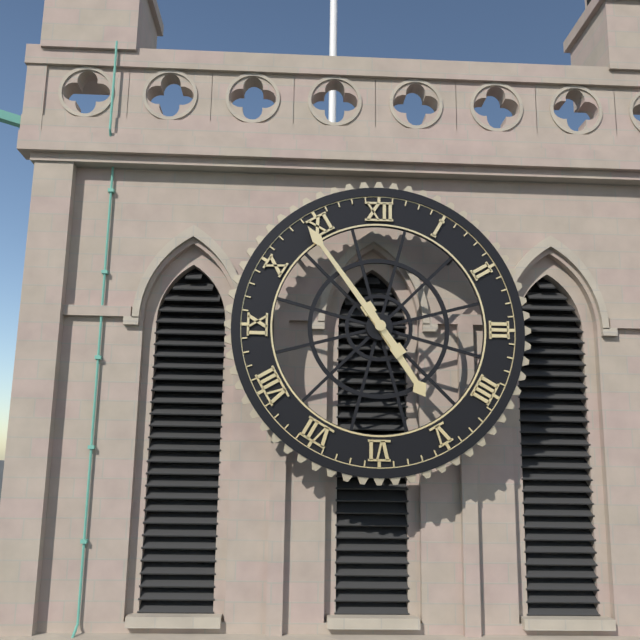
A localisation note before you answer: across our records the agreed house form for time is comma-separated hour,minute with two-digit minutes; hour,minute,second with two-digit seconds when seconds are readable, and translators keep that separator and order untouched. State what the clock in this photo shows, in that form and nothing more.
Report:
4,54
